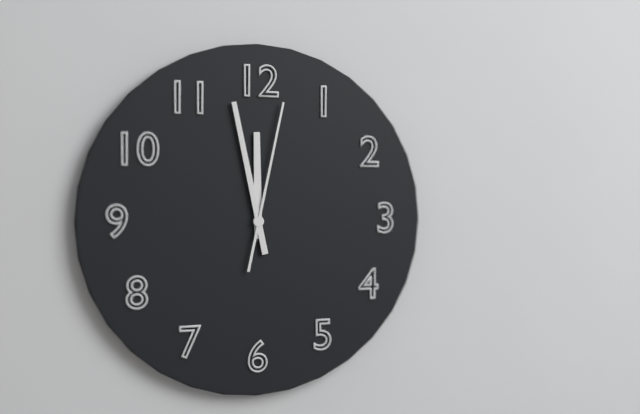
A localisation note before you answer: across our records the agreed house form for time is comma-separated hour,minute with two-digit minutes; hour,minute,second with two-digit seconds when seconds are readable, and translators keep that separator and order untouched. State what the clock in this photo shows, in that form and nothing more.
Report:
11,58,02
